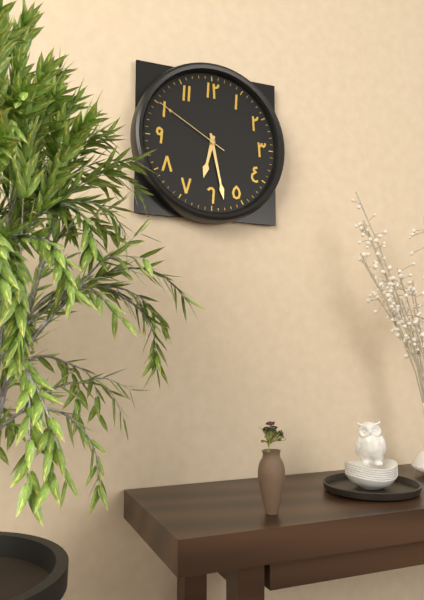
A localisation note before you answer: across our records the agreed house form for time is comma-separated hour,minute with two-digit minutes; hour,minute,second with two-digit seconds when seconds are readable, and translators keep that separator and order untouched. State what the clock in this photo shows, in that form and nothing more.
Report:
6,28,50
